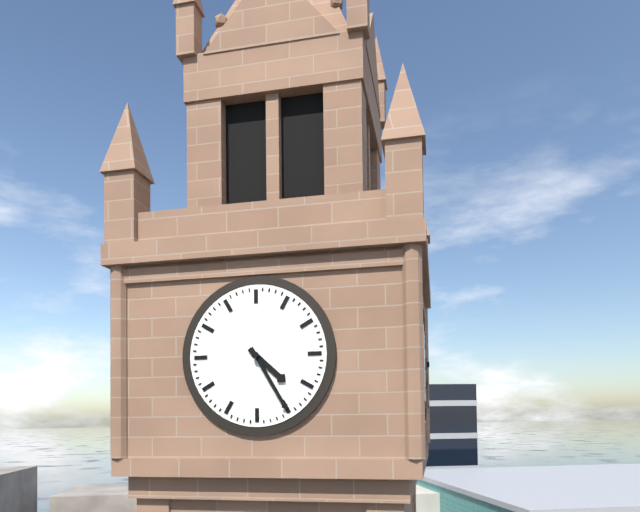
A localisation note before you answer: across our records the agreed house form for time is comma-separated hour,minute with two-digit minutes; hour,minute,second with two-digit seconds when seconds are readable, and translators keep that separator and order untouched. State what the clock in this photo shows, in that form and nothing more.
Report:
4,25
